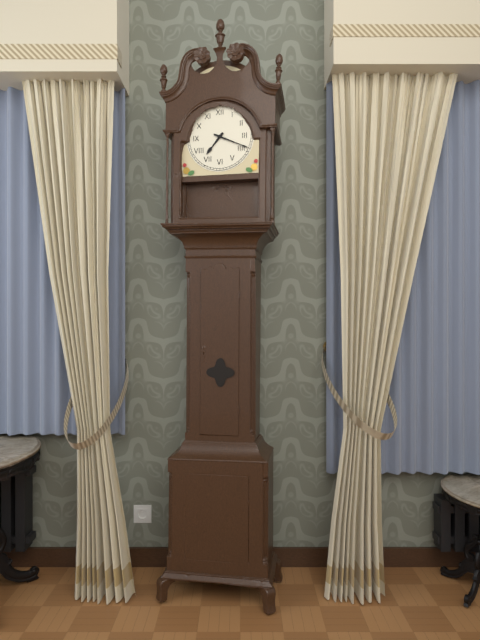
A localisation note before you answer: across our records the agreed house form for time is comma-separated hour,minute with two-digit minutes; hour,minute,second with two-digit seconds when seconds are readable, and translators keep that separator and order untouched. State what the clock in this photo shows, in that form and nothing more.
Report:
7,19
